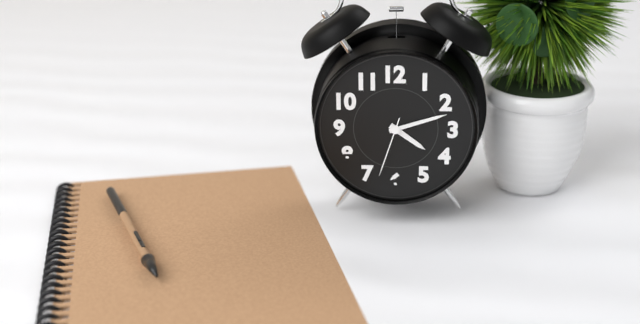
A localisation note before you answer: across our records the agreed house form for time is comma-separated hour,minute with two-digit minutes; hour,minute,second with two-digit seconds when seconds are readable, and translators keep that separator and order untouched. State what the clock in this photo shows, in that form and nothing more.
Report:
4,12,33
